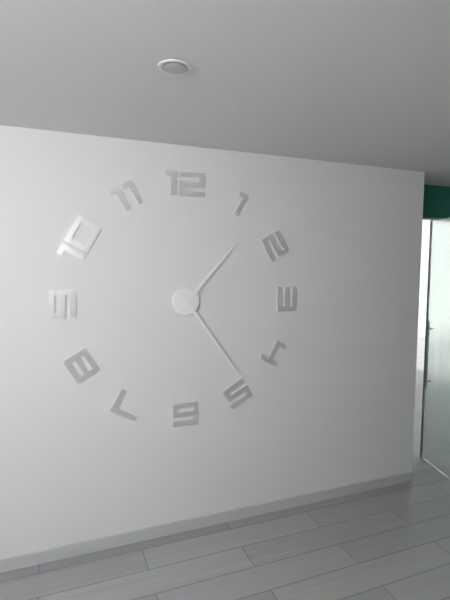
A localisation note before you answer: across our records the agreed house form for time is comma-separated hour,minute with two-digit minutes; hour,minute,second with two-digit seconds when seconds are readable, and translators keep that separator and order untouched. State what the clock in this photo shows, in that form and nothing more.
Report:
1,24
